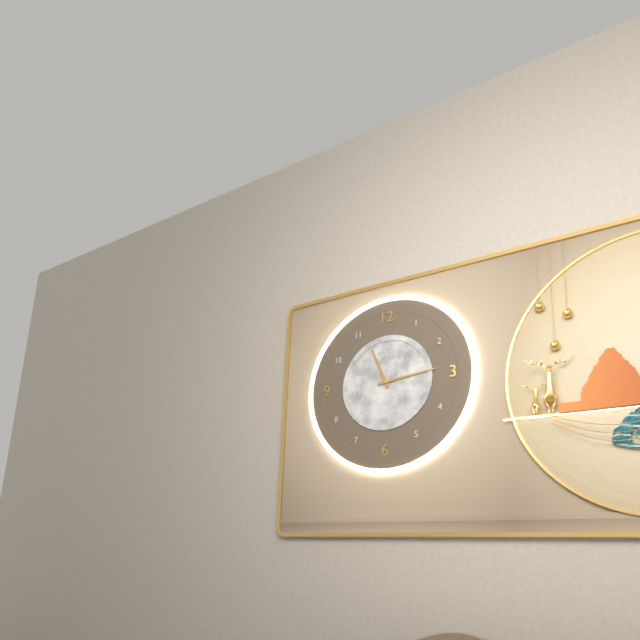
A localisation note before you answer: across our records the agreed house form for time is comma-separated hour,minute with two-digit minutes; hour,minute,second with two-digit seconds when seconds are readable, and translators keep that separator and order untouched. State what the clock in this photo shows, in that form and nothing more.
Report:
11,14
